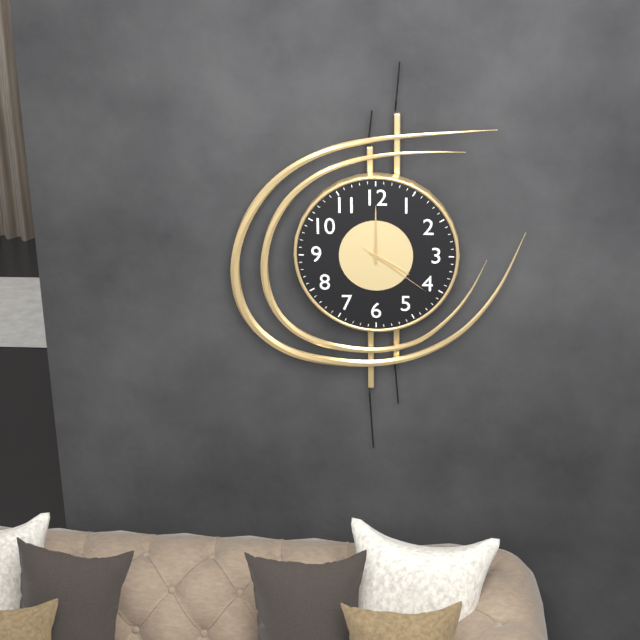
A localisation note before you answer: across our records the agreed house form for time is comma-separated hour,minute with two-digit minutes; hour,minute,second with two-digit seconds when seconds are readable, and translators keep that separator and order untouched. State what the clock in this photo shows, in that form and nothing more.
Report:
4,00,21
